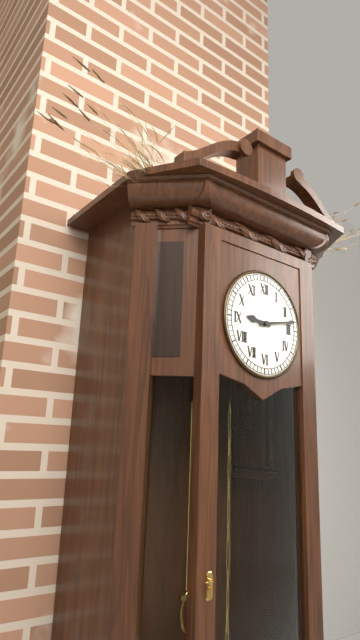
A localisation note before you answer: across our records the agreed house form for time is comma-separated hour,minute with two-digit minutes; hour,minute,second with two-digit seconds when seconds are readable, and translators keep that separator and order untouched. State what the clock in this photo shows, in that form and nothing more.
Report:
9,13
